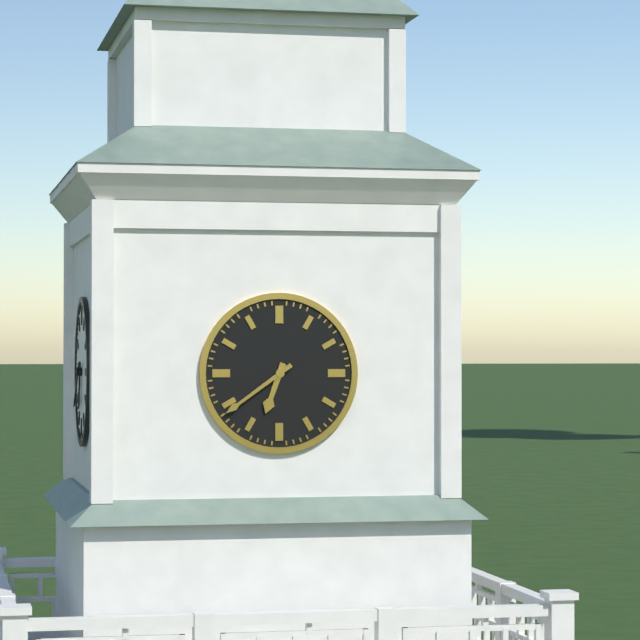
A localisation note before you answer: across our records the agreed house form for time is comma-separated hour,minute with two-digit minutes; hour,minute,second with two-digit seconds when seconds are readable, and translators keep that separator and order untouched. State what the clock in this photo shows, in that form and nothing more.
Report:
6,39
